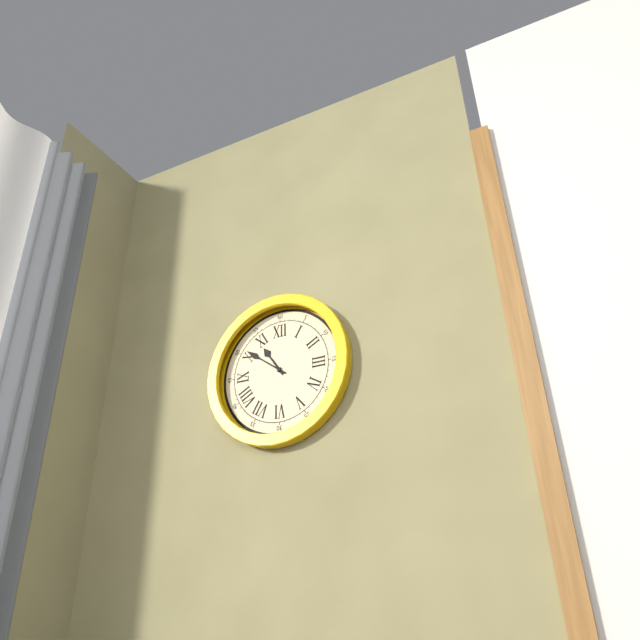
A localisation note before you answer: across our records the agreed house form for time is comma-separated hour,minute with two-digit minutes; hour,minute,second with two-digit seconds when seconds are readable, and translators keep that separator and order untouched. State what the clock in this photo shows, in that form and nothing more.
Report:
10,51
